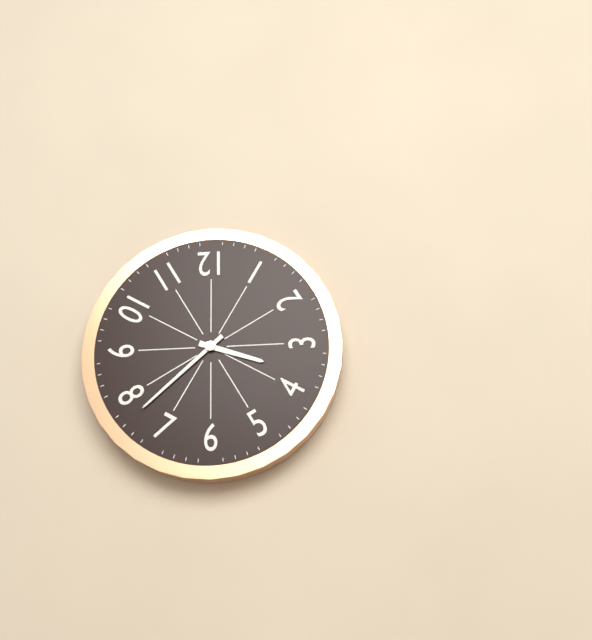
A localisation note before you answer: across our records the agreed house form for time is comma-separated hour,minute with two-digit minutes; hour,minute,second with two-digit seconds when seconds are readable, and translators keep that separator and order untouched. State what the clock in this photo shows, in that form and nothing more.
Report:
3,38
